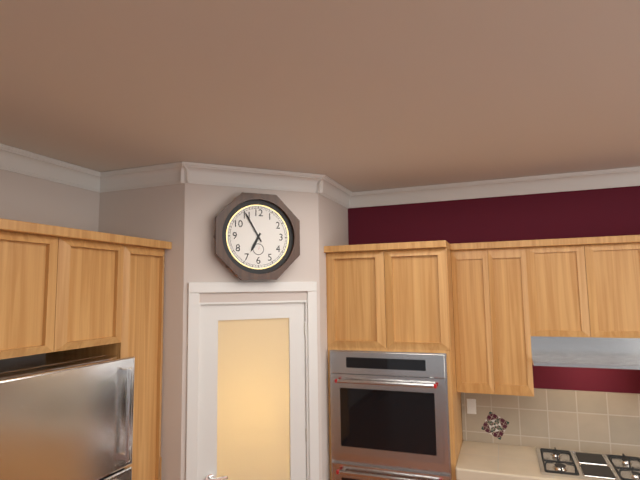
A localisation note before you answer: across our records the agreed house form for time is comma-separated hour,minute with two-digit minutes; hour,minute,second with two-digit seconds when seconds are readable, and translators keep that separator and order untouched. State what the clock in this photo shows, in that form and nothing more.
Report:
6,55
